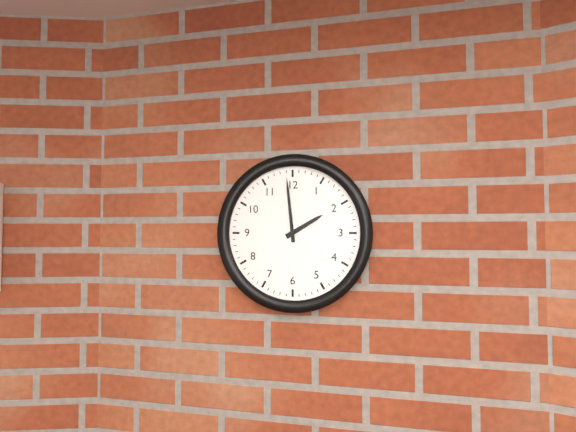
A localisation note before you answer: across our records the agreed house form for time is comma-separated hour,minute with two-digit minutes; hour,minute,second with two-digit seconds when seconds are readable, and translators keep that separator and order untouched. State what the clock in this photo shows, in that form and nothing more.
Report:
1,59
